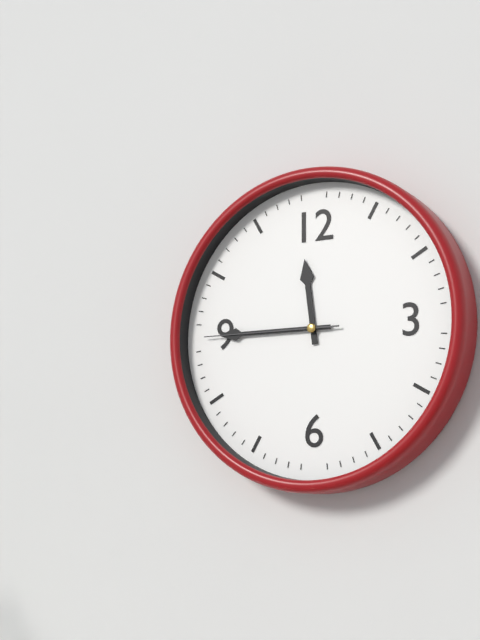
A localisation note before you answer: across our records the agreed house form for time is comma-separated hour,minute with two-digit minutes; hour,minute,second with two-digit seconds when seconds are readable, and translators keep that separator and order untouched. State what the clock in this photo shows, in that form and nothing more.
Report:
11,45,45
